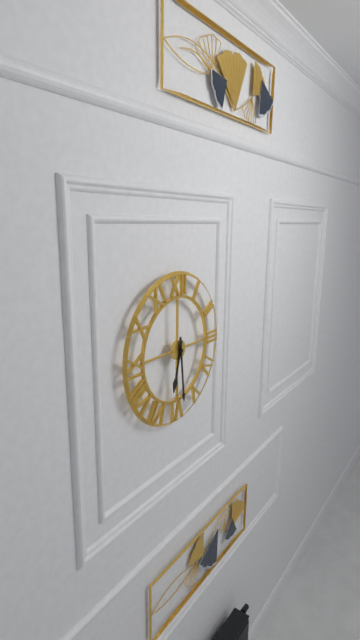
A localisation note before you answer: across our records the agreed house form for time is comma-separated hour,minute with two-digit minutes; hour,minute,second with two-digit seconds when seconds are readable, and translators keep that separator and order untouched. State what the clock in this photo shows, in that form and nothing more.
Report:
6,29
